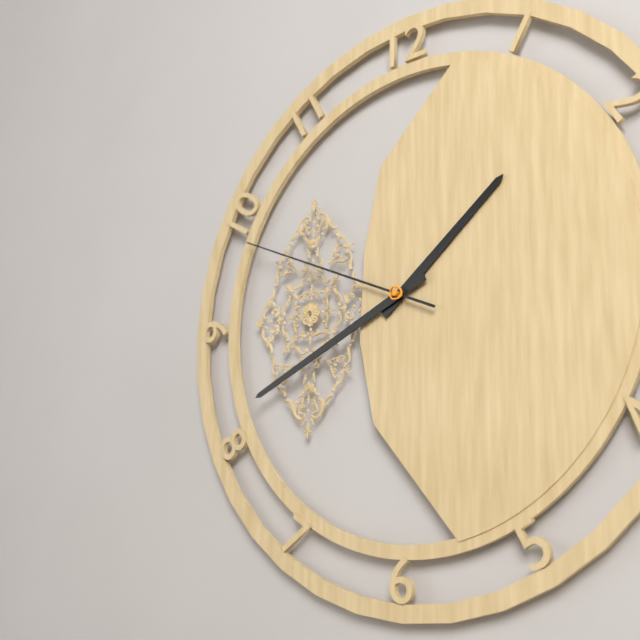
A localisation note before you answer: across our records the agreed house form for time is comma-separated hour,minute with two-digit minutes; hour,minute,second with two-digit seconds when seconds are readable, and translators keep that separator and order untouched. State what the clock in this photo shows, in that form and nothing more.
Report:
1,41,49
